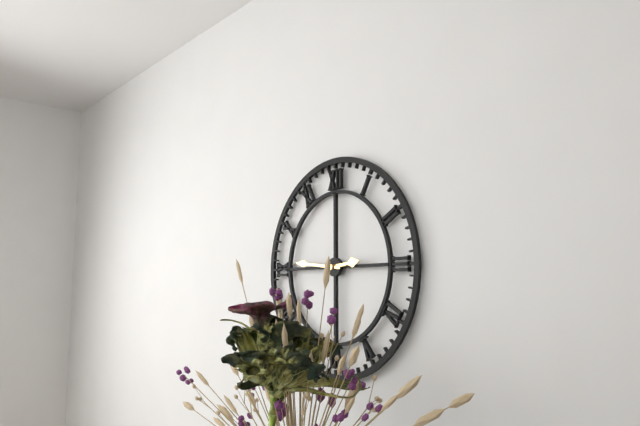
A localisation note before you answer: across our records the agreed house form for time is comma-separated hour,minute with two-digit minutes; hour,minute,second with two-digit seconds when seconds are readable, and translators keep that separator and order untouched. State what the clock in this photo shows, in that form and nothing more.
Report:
2,46
